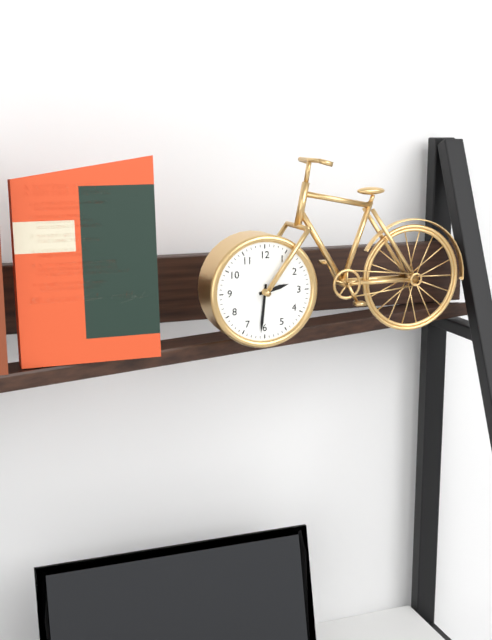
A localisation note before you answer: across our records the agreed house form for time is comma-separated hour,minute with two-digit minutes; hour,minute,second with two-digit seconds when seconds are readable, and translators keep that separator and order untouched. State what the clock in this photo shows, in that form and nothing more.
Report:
2,31
